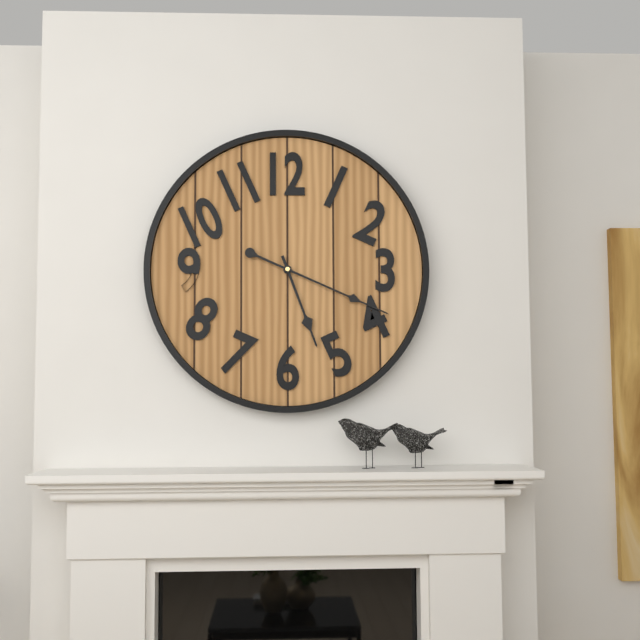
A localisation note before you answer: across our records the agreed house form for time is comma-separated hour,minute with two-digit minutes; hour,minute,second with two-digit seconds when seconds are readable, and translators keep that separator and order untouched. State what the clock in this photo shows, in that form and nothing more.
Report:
5,19
